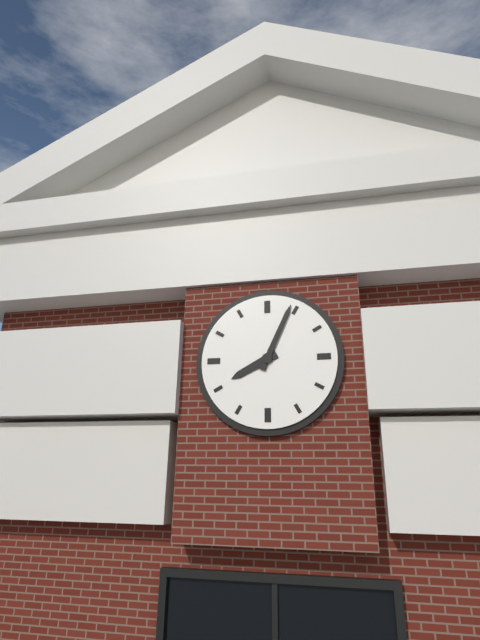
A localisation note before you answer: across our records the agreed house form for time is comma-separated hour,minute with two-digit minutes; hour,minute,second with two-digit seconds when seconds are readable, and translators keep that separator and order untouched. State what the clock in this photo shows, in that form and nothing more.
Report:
8,04
